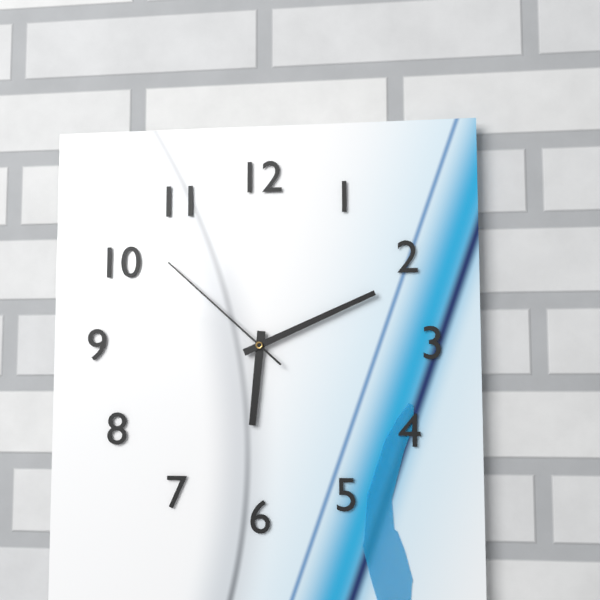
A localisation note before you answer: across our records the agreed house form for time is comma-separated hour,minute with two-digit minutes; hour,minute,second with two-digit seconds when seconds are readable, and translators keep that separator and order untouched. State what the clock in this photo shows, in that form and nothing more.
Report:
6,11,52
